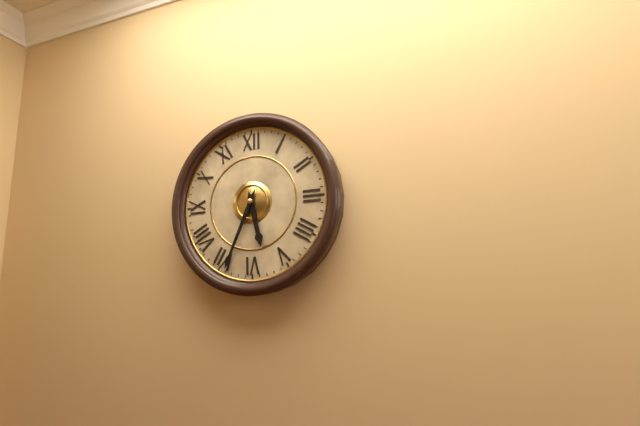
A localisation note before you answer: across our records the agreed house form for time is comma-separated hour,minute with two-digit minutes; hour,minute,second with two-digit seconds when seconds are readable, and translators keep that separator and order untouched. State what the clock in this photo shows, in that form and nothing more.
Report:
5,34
